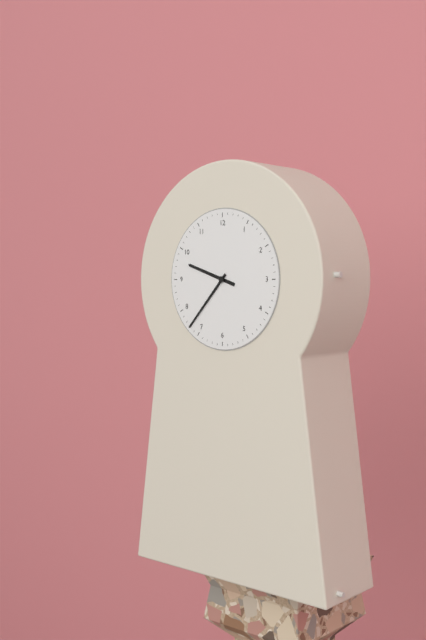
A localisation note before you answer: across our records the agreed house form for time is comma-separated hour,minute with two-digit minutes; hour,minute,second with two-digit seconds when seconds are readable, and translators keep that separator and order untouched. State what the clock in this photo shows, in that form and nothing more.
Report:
9,37
